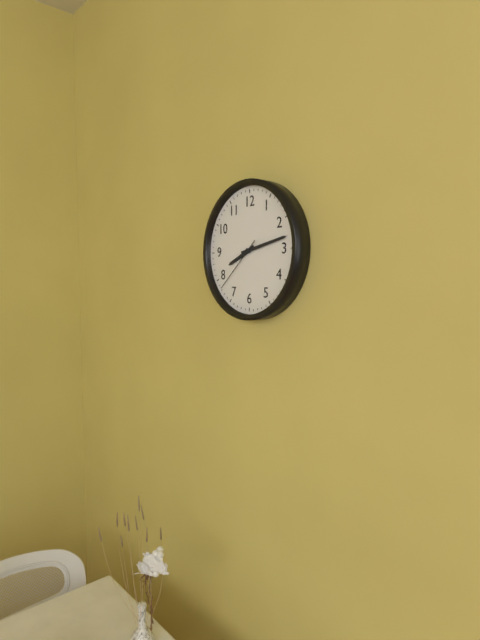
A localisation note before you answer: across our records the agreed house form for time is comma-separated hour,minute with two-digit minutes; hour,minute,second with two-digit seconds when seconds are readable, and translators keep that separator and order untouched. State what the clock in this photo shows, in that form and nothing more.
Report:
8,13,38
